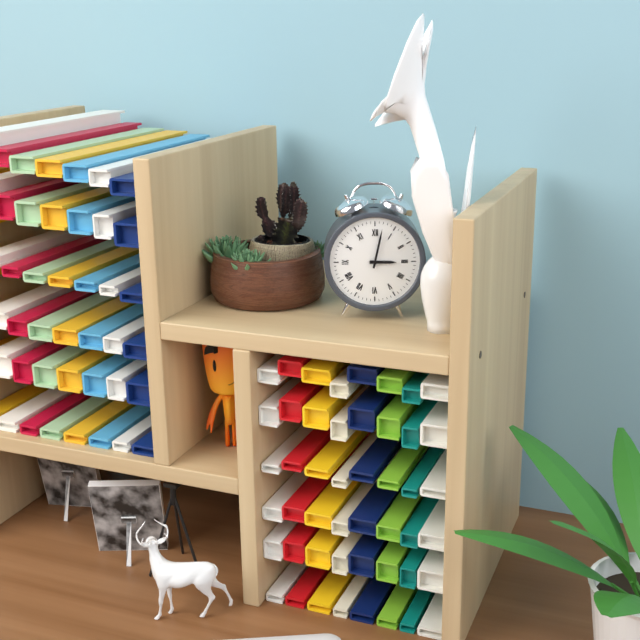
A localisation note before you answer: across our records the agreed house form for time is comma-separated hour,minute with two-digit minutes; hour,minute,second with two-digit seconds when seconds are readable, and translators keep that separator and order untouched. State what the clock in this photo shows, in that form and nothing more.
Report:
3,02
